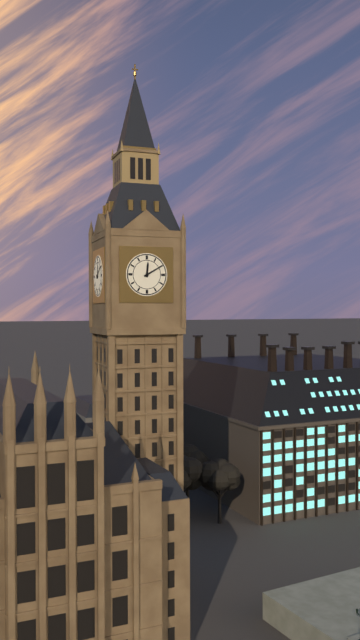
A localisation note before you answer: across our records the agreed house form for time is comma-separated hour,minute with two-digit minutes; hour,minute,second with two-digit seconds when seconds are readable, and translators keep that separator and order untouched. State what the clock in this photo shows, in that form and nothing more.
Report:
12,10
